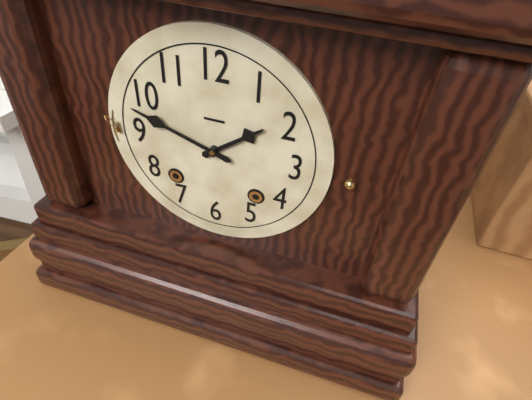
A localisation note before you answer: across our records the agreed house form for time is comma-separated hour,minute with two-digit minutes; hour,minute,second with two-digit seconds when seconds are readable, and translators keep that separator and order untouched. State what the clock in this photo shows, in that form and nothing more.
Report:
1,48
